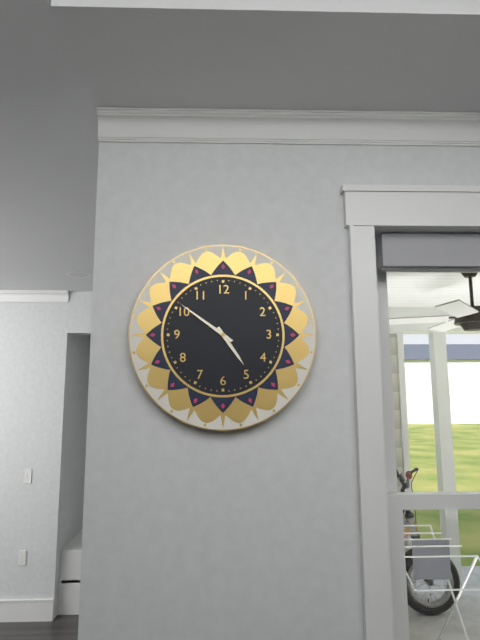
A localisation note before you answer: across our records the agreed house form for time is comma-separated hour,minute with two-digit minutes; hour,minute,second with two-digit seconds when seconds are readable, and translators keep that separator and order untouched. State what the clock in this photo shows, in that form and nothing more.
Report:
4,51
